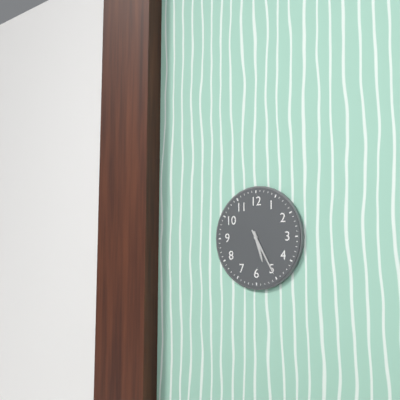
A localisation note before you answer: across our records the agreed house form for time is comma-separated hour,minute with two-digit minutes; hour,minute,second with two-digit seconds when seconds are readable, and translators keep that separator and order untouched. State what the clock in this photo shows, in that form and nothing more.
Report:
5,25
